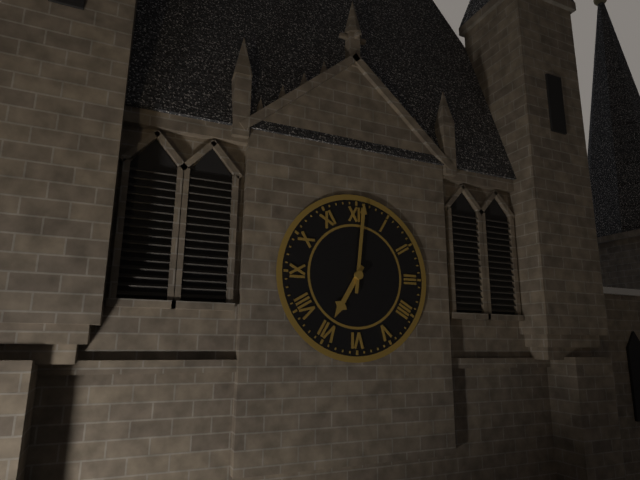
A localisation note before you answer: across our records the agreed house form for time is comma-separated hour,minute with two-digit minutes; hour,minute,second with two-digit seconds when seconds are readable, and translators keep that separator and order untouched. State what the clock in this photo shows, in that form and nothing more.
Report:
7,01
